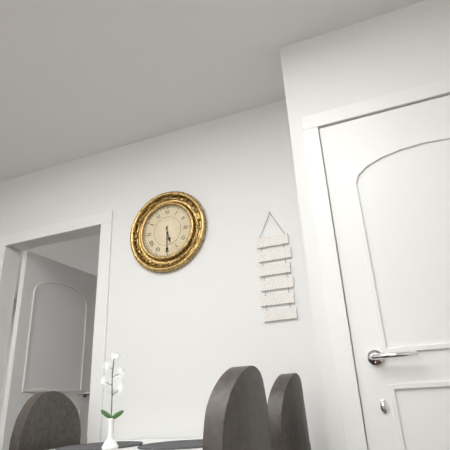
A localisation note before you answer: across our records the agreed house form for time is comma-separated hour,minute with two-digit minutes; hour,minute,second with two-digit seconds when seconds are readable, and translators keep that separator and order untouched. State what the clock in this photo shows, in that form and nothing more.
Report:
5,30
